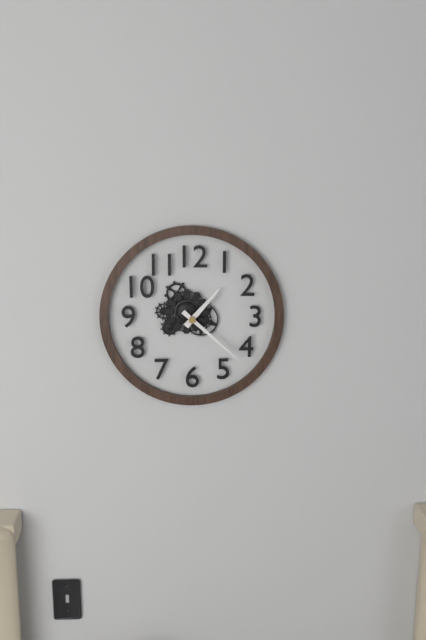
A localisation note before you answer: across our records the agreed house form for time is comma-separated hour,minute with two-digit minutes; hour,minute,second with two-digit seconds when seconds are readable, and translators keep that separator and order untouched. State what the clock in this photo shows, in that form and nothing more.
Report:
1,22
